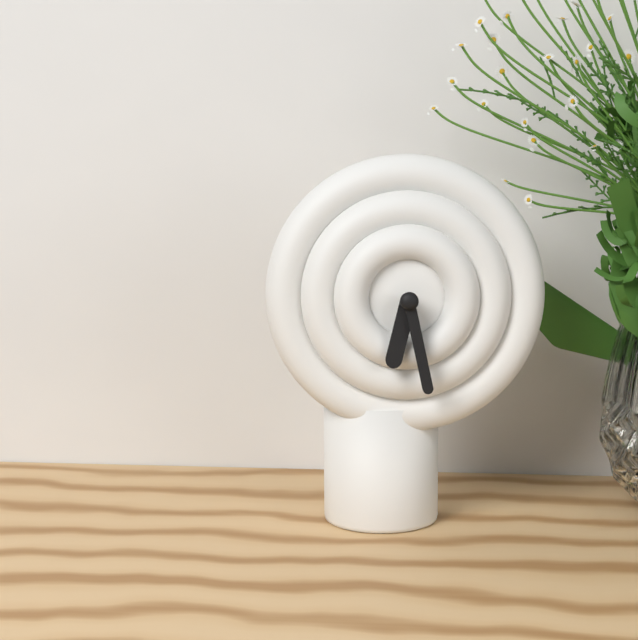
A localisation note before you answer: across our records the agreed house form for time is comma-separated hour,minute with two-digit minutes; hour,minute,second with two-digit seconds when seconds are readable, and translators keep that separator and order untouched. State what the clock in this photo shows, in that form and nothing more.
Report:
6,28
